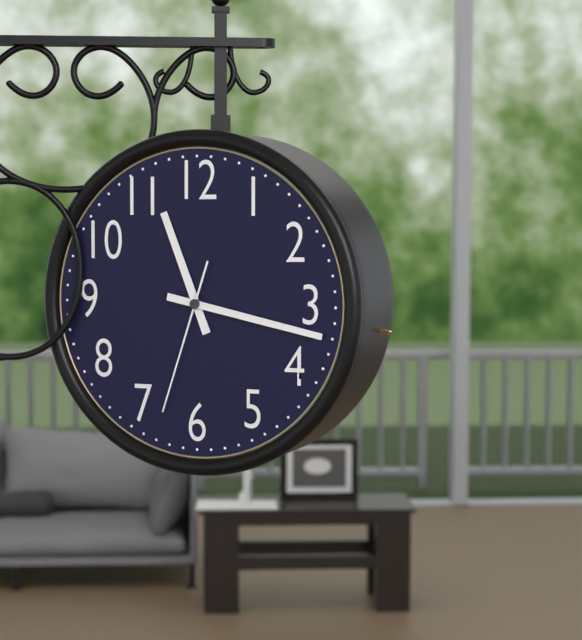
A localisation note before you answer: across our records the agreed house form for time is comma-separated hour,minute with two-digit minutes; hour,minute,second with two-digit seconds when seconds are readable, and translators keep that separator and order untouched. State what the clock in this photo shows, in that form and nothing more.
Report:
11,17,33
